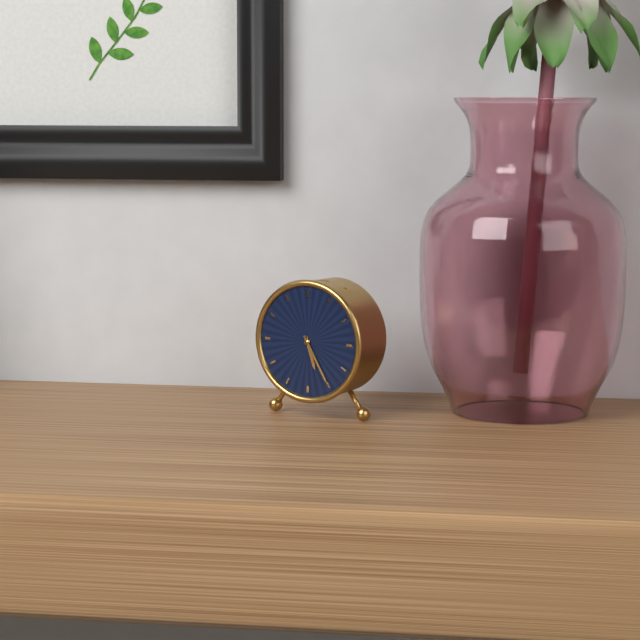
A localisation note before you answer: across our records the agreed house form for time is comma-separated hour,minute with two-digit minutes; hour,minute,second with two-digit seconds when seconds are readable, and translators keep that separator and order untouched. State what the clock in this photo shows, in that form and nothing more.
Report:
5,25
